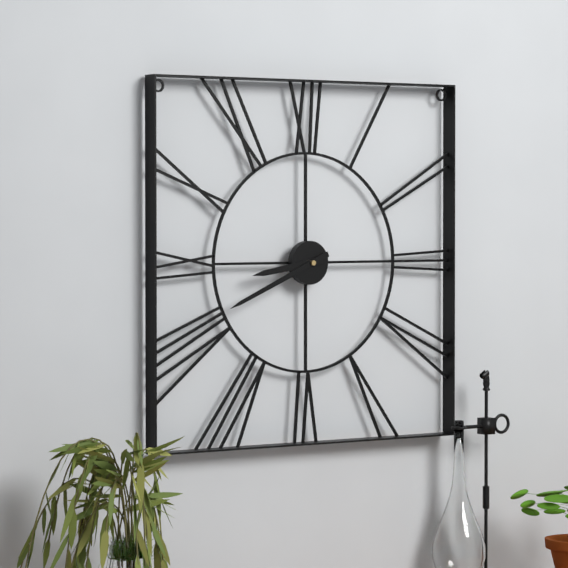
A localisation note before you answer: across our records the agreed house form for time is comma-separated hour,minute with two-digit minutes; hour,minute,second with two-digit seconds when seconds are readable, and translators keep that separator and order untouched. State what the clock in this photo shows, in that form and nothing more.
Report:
8,41
